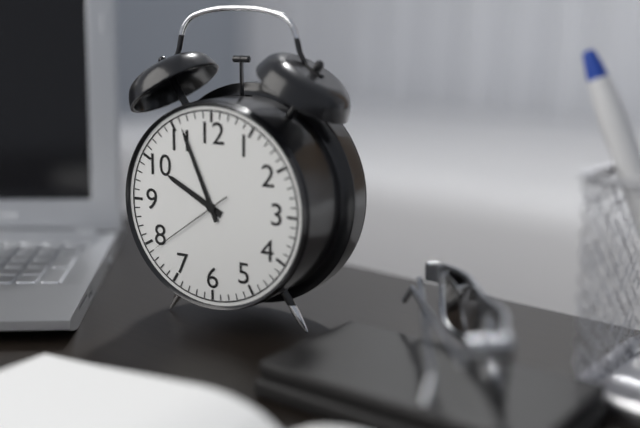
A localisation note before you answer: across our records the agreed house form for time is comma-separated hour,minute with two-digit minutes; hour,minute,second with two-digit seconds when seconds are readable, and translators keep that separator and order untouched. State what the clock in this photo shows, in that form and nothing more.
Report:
9,56,39
